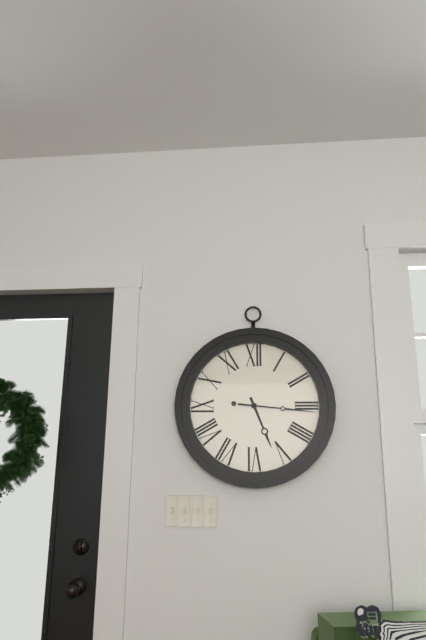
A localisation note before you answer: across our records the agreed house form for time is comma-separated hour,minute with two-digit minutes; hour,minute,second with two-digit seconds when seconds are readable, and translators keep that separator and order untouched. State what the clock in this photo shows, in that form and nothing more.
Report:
5,16
